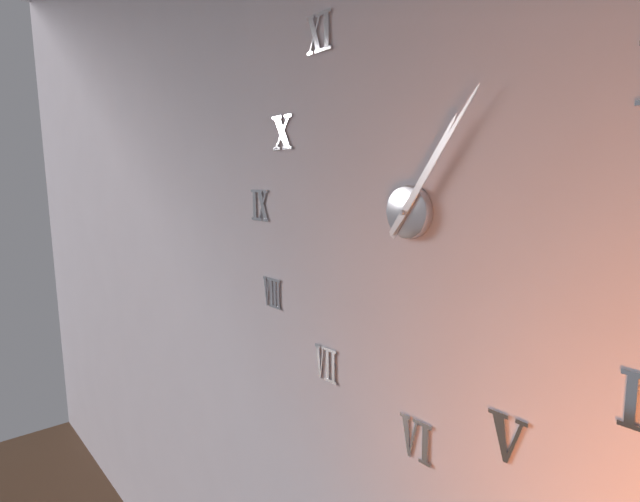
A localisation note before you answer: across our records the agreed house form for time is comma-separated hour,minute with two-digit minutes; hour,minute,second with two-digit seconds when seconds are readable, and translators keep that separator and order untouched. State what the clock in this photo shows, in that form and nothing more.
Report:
1,06
